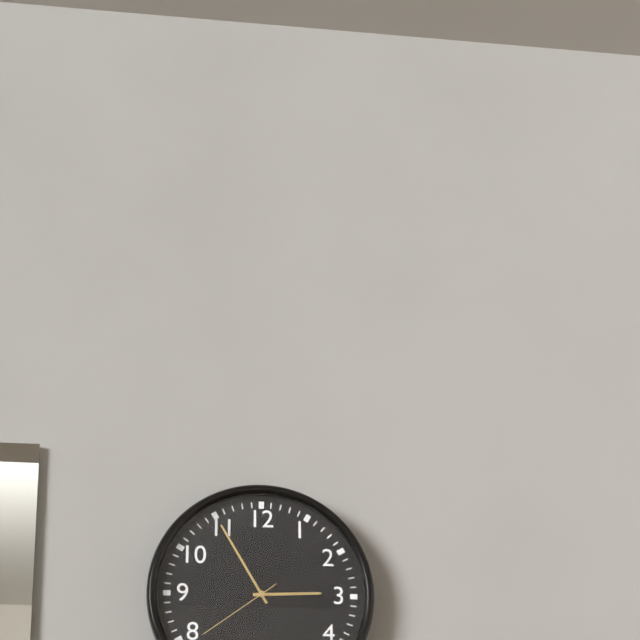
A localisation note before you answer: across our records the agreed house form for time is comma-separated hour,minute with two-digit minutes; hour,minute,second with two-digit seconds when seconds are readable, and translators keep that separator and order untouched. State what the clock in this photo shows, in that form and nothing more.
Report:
2,55,39
